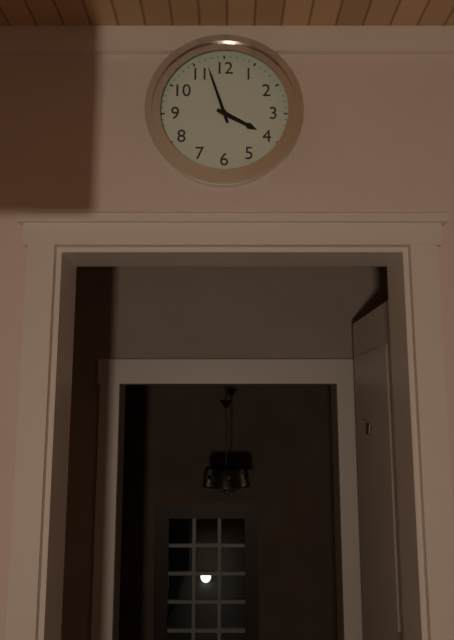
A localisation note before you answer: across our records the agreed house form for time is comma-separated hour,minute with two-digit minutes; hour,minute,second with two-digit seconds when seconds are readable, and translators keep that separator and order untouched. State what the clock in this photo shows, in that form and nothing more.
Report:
3,57
